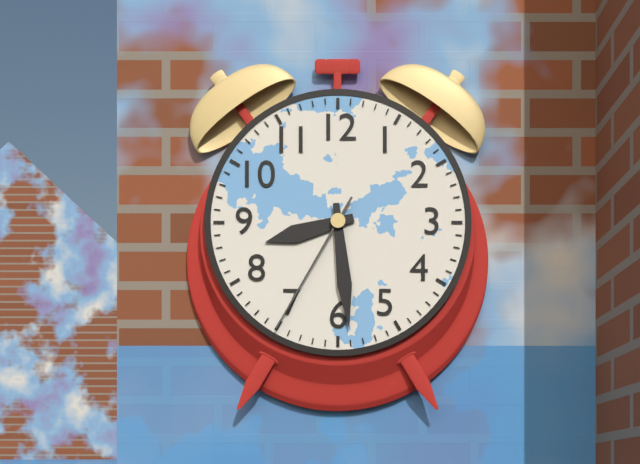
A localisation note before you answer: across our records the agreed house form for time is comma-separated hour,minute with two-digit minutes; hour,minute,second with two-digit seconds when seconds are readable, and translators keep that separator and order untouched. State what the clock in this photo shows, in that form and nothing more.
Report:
8,29,35
